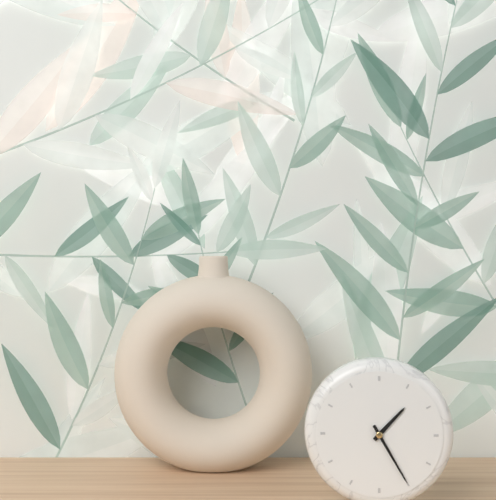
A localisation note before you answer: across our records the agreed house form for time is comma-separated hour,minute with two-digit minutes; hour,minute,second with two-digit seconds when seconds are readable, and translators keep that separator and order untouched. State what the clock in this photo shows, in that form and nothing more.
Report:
1,25
